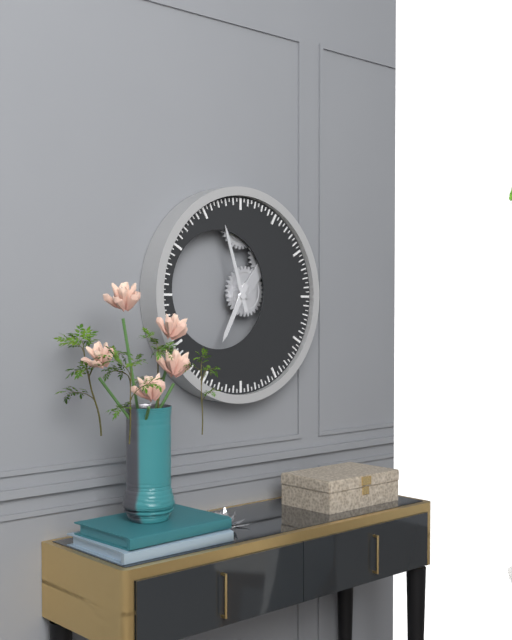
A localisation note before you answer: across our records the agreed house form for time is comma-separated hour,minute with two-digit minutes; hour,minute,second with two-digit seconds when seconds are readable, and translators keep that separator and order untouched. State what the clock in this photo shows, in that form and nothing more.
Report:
6,57
